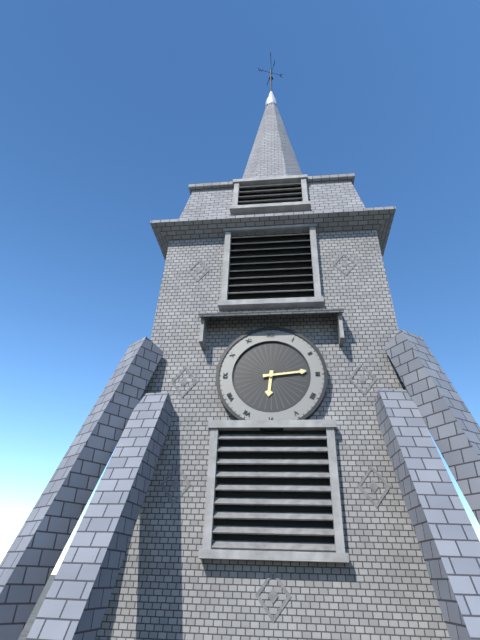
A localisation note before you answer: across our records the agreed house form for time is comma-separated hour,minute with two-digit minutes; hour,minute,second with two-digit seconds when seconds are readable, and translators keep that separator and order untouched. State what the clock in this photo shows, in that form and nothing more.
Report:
6,14
